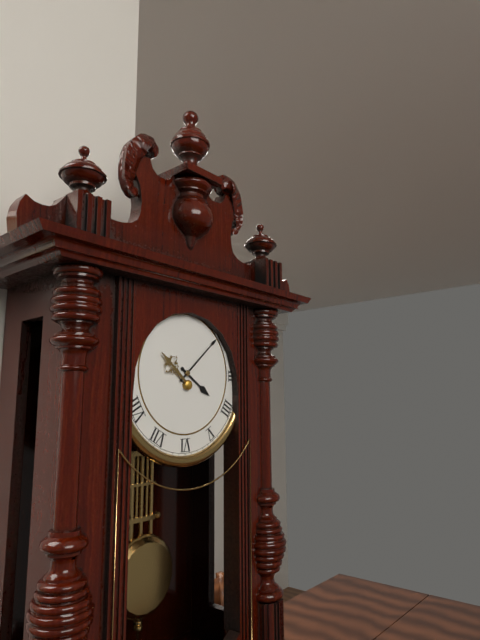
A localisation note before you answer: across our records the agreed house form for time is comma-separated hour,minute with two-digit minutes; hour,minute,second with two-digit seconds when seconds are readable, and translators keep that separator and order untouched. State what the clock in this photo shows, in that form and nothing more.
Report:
4,08
